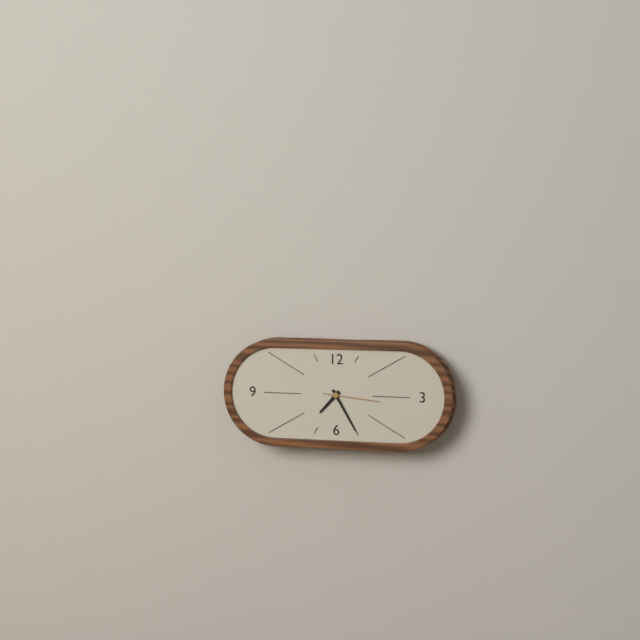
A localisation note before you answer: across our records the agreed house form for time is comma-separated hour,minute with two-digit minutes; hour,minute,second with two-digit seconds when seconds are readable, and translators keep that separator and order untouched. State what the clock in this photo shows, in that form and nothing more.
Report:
7,25
